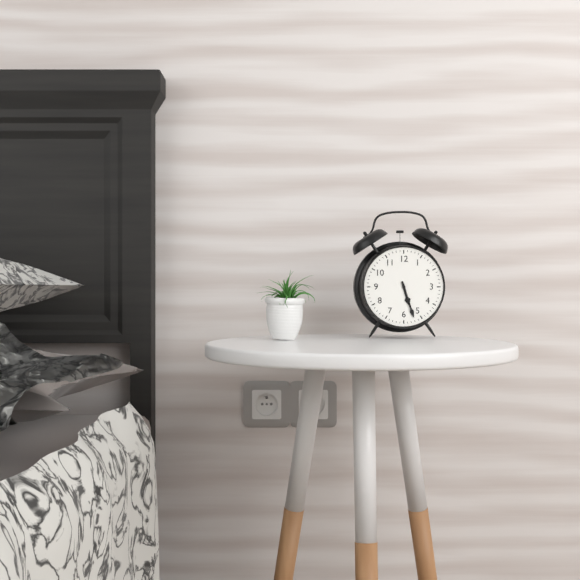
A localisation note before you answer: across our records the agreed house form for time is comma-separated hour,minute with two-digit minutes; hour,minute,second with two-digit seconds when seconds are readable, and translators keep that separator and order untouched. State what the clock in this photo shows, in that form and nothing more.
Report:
5,27
